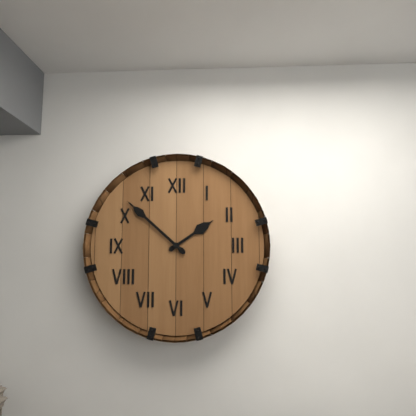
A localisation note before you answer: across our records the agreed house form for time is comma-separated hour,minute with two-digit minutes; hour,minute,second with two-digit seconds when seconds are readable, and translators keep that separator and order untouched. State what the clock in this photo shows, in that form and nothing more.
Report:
1,52
